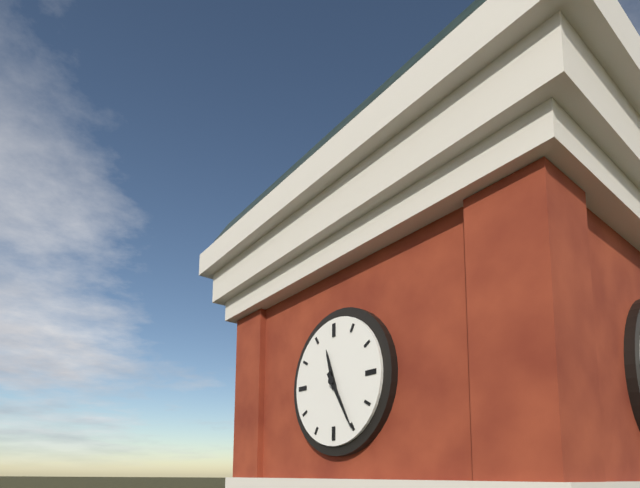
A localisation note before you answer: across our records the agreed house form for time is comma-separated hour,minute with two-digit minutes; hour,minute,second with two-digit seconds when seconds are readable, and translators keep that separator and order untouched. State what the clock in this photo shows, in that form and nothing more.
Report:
11,25
